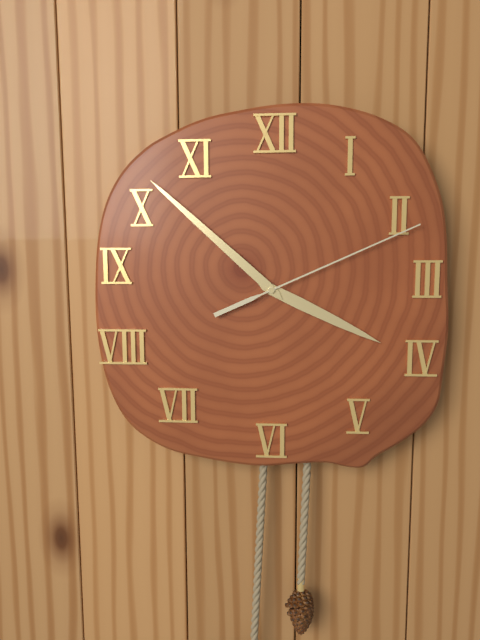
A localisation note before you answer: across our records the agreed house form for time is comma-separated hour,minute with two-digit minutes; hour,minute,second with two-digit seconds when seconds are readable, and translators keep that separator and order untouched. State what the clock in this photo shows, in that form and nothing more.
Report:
3,52,11
